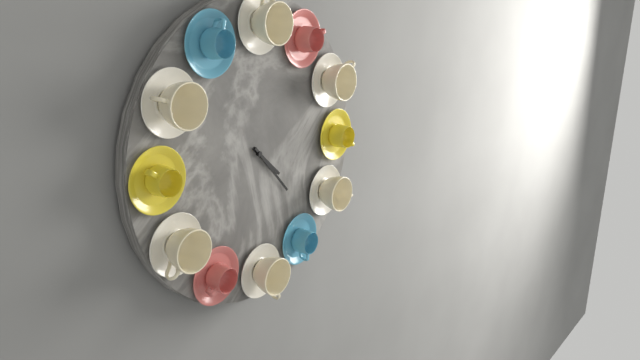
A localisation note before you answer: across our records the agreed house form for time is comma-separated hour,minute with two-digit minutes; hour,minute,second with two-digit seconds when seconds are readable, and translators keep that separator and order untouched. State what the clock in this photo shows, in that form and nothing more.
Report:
4,23
